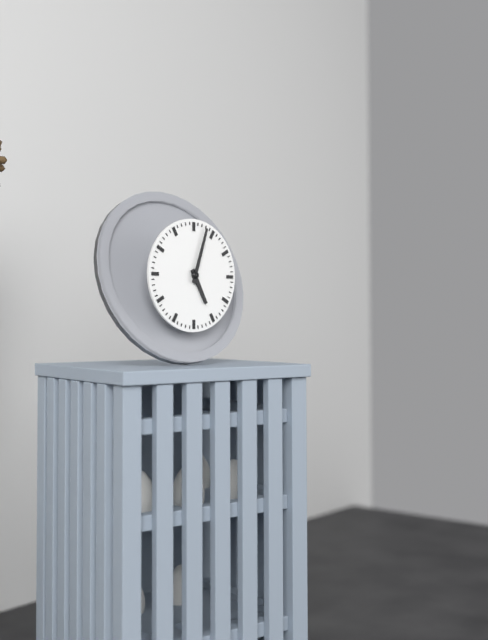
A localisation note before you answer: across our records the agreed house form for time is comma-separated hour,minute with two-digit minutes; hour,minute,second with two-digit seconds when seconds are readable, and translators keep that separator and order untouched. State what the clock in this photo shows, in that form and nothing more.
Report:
5,03
